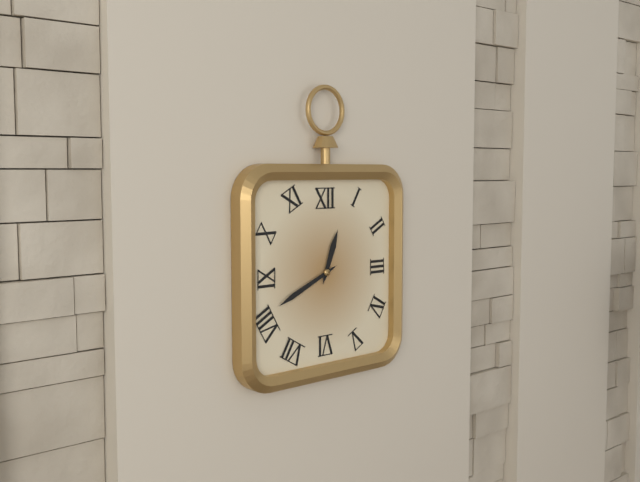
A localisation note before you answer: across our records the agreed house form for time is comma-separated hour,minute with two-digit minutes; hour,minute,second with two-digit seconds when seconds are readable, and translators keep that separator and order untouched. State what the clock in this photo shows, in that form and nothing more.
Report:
12,41
